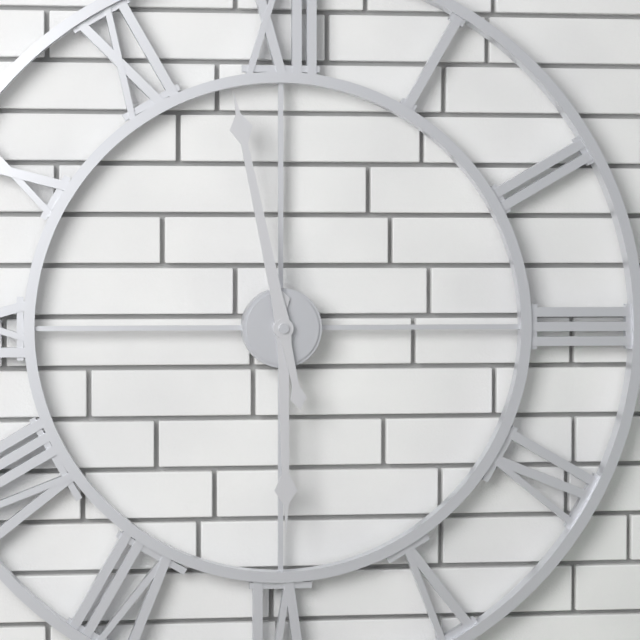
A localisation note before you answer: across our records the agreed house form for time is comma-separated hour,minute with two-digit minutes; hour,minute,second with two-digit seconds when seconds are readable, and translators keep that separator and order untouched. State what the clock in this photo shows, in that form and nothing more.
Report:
5,58
